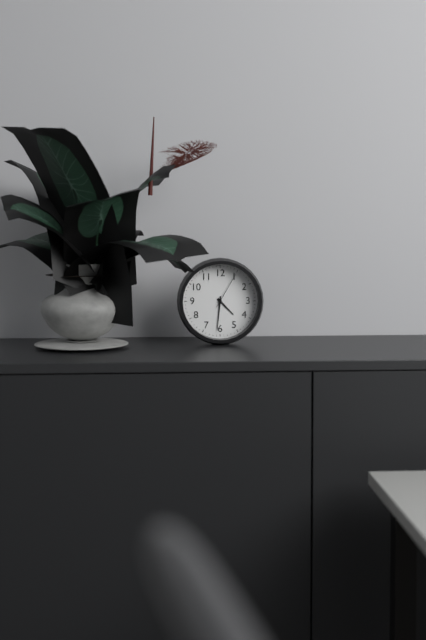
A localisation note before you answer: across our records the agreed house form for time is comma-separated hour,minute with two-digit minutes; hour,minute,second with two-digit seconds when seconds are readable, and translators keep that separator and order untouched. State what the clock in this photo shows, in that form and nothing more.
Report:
4,31
